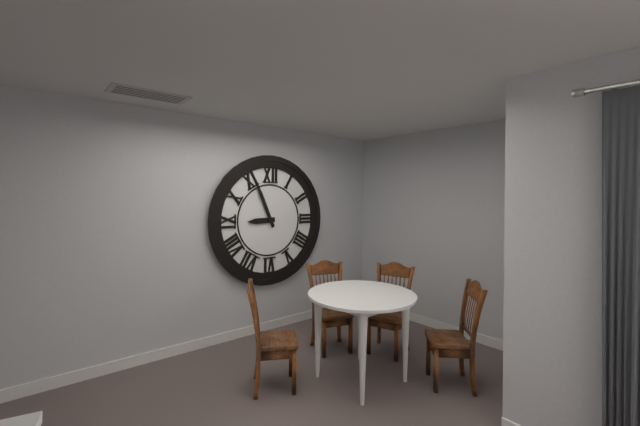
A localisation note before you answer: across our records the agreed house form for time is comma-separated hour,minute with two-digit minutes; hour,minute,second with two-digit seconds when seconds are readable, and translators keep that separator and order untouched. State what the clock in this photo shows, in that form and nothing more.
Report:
8,56
